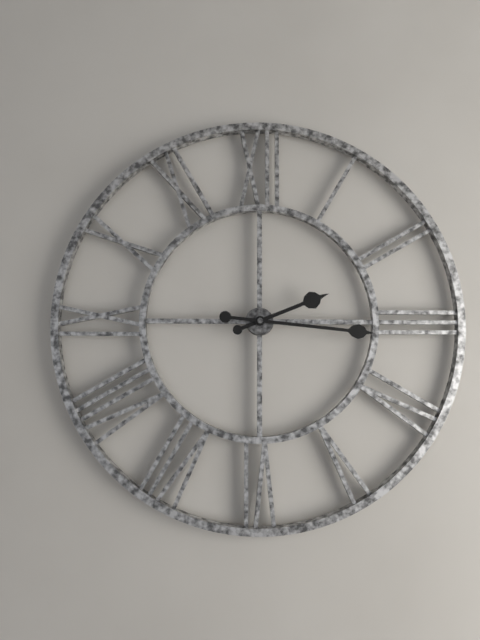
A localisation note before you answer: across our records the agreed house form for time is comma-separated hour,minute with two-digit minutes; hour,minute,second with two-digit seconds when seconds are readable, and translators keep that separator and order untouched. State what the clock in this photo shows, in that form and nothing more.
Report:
2,16
